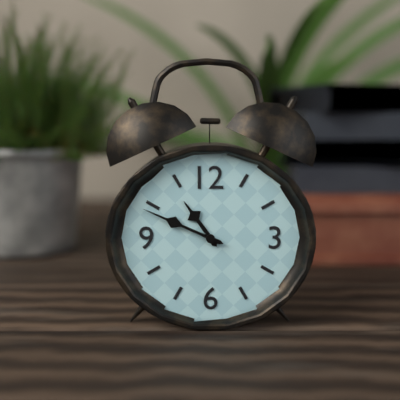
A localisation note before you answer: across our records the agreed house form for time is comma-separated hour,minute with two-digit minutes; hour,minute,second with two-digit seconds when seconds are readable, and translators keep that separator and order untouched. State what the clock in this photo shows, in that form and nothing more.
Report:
10,49
